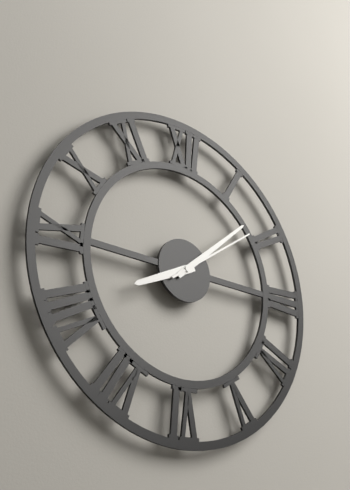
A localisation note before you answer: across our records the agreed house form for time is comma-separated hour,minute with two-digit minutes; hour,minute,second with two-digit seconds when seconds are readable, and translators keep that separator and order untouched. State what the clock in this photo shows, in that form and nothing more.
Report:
8,08,09
